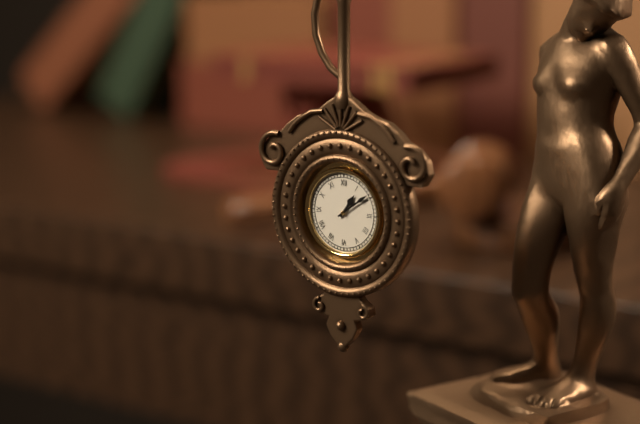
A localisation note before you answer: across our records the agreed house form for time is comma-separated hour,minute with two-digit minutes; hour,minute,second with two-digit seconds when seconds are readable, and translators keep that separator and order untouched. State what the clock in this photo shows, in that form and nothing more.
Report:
1,09
